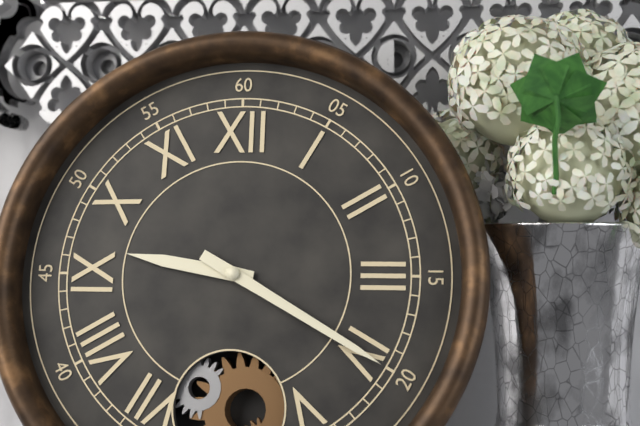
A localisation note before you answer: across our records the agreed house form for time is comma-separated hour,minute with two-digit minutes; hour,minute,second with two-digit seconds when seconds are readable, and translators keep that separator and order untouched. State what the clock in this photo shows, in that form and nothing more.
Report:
9,20
